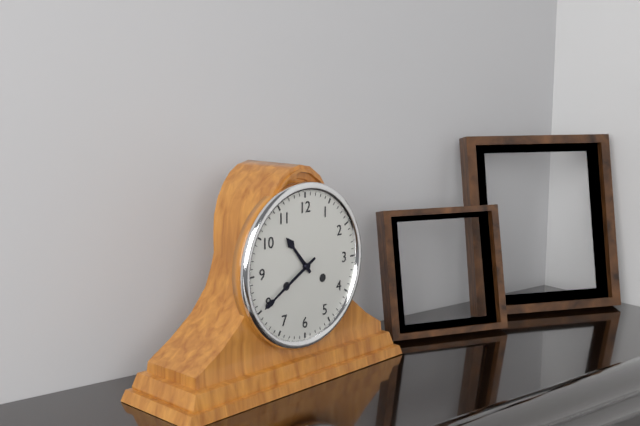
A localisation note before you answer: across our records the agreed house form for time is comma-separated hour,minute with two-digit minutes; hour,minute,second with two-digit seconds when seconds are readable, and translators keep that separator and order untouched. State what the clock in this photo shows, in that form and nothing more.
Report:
10,40
